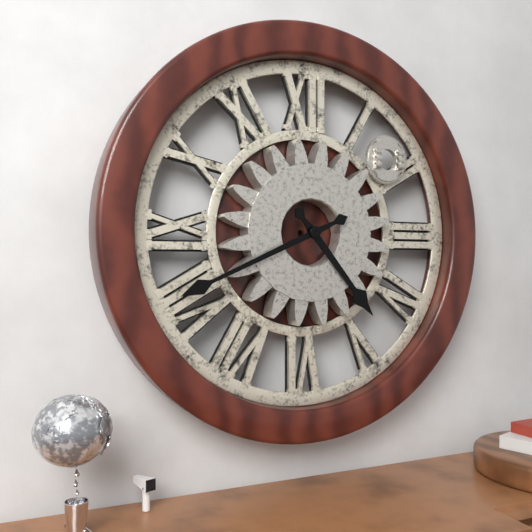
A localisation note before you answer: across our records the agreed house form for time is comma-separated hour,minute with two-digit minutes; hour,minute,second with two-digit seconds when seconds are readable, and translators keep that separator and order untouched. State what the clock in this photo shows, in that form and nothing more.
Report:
4,41
